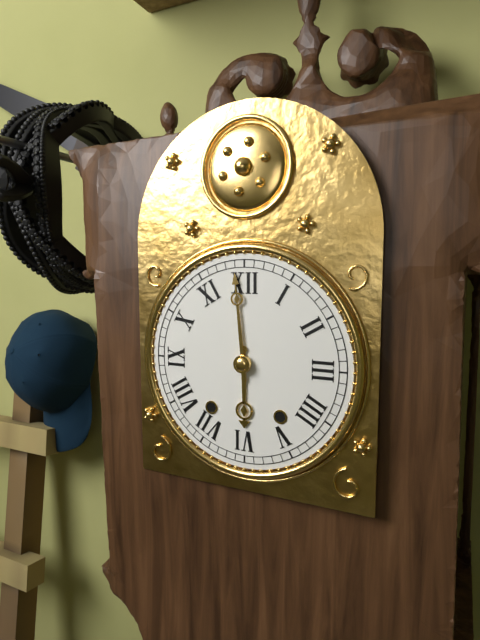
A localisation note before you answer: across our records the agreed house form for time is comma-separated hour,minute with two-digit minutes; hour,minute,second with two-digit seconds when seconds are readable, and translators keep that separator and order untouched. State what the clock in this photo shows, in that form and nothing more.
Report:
5,59
